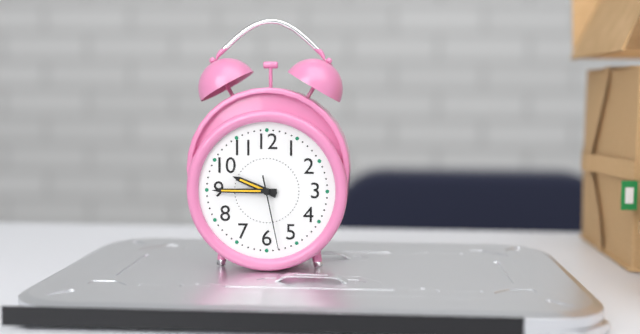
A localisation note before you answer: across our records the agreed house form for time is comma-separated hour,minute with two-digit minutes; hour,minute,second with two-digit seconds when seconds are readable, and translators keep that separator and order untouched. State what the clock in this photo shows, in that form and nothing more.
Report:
9,45,28
